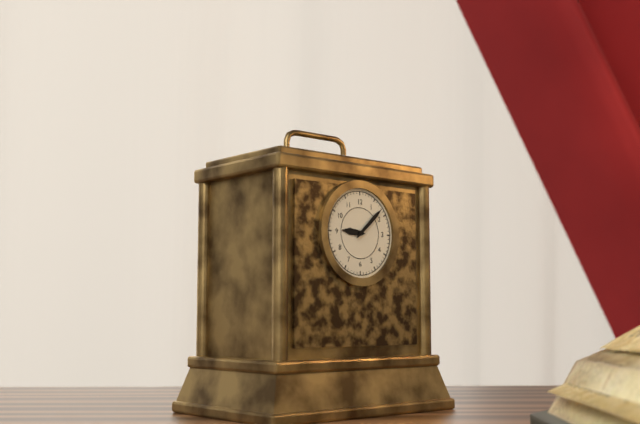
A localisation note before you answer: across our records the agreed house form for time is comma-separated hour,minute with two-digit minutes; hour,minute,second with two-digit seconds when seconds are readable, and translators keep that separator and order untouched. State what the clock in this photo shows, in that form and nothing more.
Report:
9,08
